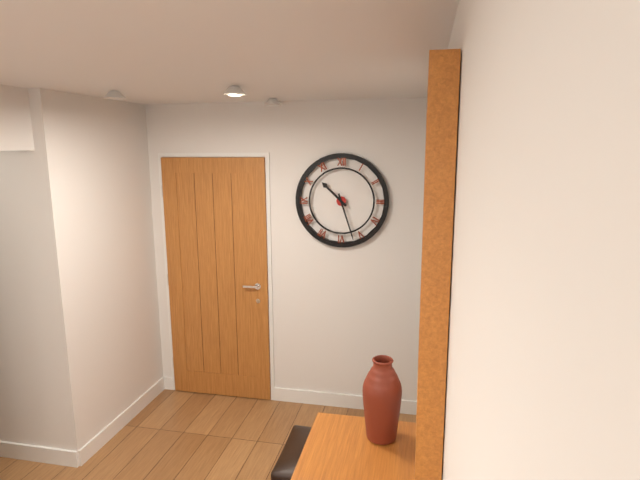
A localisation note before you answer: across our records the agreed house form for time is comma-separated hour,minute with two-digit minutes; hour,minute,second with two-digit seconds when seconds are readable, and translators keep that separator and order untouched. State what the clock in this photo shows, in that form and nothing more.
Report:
10,27
